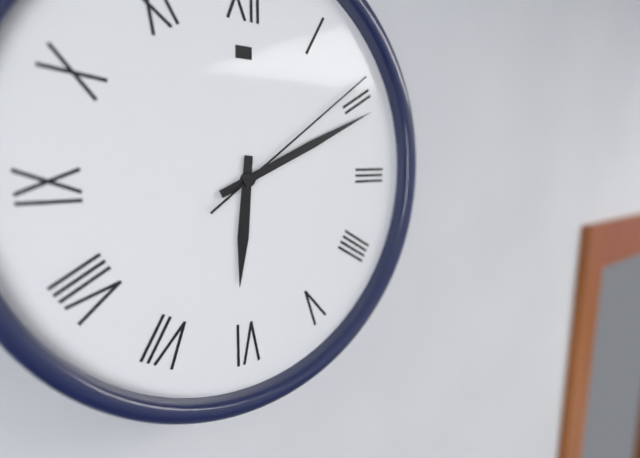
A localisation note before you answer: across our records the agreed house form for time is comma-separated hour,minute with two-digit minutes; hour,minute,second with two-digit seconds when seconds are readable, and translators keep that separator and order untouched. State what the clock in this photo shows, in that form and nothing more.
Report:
6,11,09
